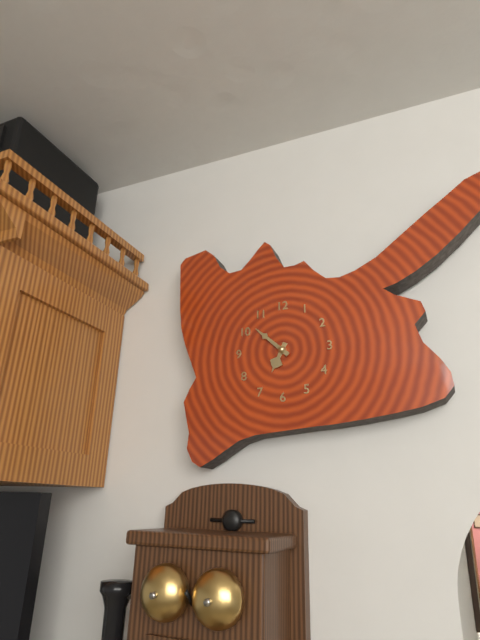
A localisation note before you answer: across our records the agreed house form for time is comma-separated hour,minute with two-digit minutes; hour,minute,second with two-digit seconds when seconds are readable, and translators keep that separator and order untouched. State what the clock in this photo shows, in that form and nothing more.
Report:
6,52
